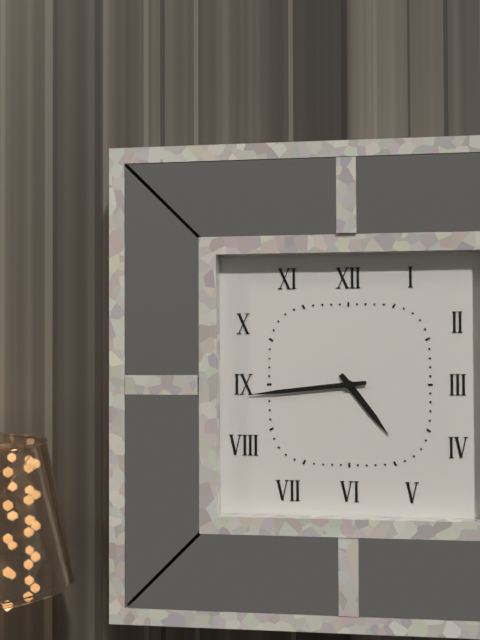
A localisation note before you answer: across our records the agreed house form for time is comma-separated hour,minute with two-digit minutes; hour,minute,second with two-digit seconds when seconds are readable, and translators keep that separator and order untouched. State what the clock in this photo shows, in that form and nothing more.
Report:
4,44
